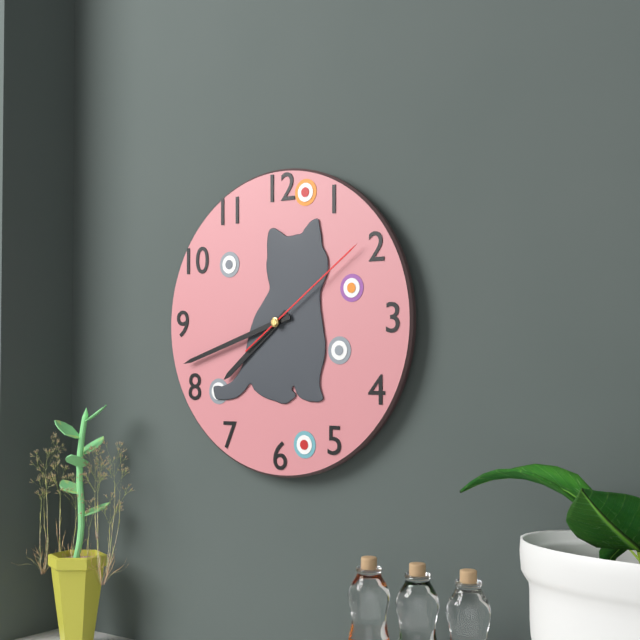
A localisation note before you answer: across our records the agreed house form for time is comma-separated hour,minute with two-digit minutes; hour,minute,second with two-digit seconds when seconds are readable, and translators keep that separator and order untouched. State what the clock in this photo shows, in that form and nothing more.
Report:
7,42,09
